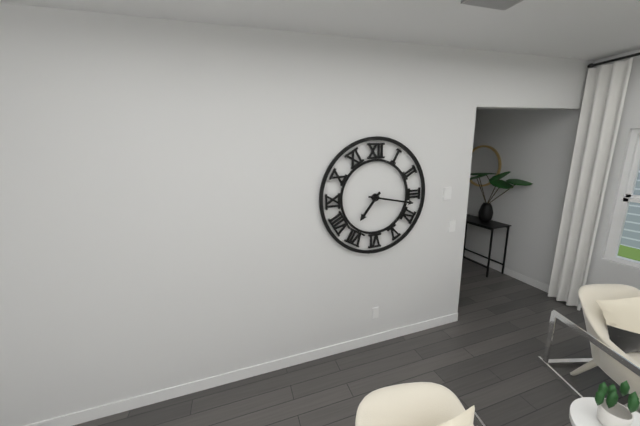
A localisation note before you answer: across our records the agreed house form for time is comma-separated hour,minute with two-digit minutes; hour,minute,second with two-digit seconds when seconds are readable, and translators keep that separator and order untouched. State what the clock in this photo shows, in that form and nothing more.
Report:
7,17
